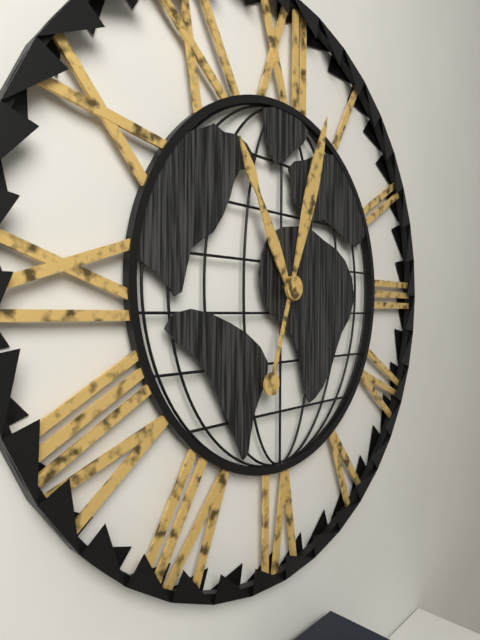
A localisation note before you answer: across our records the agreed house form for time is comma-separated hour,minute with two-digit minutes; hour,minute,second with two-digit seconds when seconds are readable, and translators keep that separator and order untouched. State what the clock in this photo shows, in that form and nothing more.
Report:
11,03
